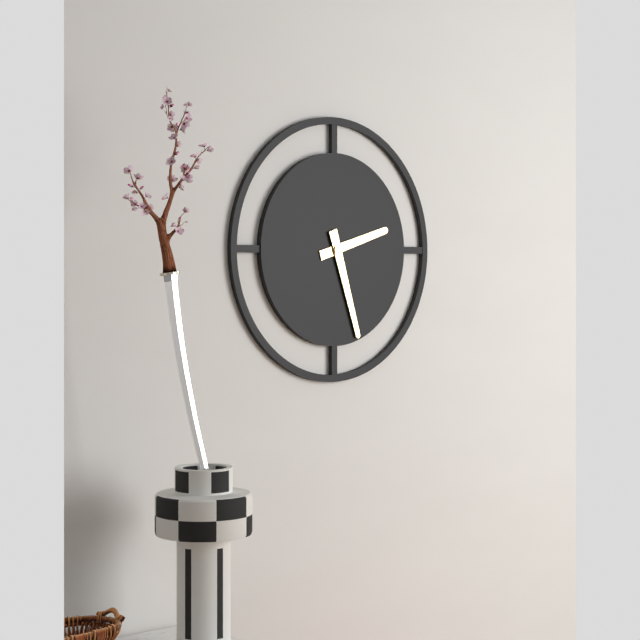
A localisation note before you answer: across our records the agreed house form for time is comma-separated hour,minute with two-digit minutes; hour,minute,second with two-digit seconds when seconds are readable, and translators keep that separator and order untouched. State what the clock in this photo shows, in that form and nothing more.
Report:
2,27
